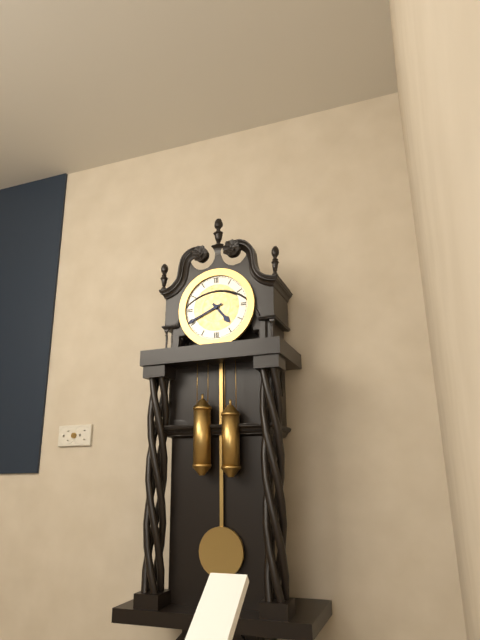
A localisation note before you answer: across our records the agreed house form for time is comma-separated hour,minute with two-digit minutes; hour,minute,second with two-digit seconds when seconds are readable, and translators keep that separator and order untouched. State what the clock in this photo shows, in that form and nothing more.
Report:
4,41
